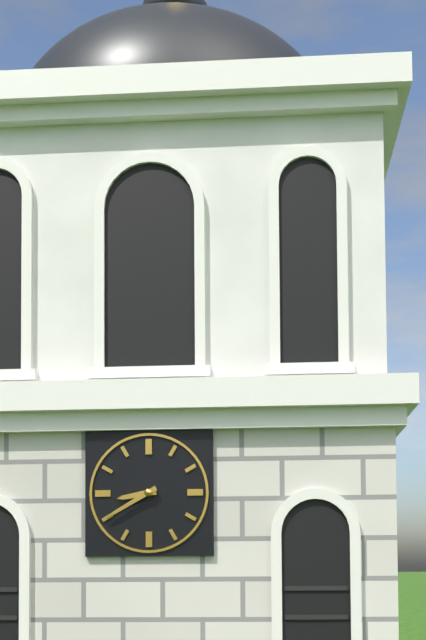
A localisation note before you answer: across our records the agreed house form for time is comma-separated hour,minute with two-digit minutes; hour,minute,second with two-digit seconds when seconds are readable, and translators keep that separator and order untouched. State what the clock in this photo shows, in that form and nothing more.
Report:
8,40
